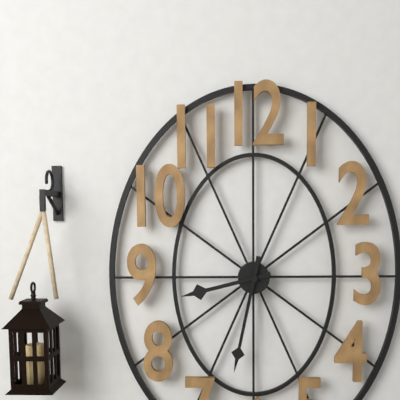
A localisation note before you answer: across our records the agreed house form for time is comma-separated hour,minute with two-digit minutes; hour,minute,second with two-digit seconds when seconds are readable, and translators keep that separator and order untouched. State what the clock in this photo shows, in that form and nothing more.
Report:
8,32
